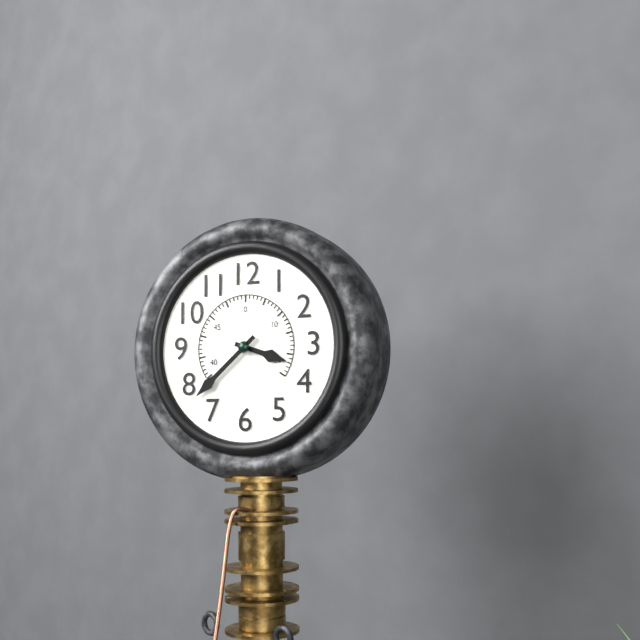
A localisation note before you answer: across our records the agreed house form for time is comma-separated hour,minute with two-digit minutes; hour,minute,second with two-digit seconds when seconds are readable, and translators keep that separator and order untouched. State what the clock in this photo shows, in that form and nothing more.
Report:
3,38
